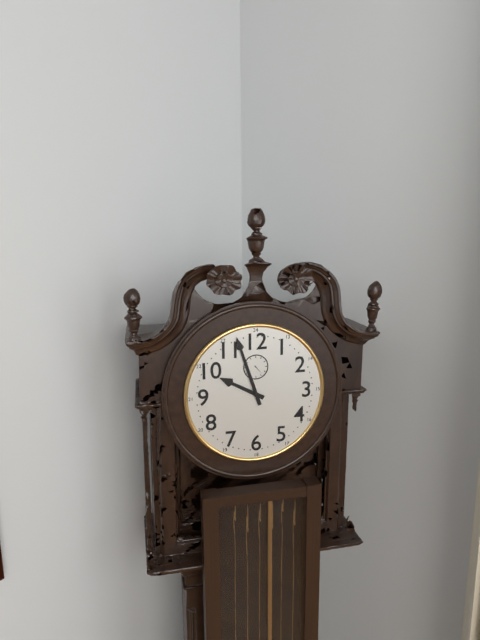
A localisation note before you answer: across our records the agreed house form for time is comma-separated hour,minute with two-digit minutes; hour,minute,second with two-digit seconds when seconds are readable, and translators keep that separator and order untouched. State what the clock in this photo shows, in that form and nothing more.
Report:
9,57
